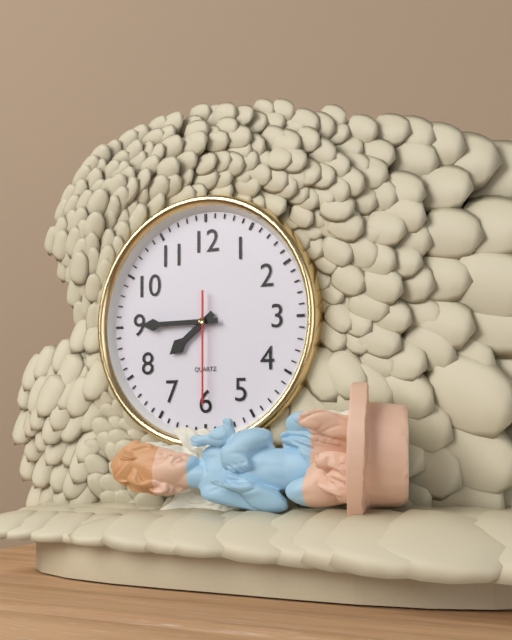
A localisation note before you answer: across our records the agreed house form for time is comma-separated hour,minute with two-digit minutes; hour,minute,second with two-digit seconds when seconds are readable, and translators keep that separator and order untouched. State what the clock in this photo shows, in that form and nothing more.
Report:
7,45,30
